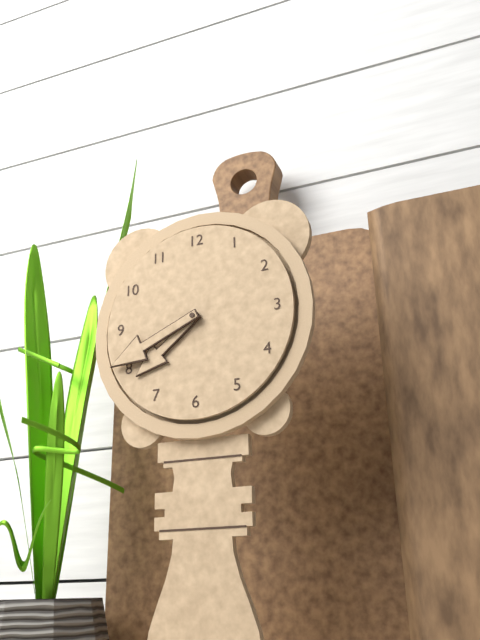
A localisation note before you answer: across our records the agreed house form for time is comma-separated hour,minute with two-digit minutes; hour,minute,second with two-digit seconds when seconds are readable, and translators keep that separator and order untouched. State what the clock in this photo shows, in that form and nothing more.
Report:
7,41
